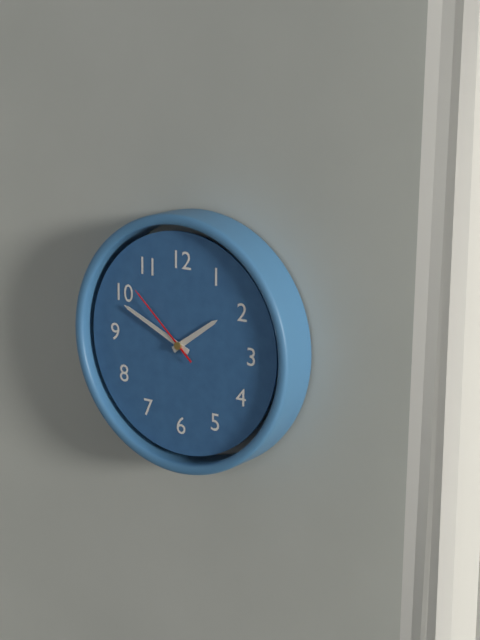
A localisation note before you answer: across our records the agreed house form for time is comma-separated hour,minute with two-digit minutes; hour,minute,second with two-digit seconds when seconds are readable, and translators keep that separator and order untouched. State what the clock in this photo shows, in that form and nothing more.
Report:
1,49,52
